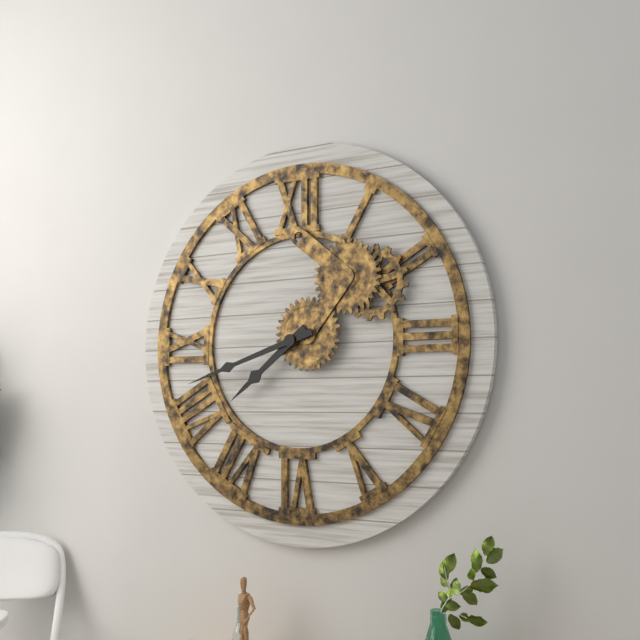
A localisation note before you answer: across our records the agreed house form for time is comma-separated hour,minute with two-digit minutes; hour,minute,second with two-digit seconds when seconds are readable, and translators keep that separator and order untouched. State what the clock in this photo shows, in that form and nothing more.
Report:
7,42
